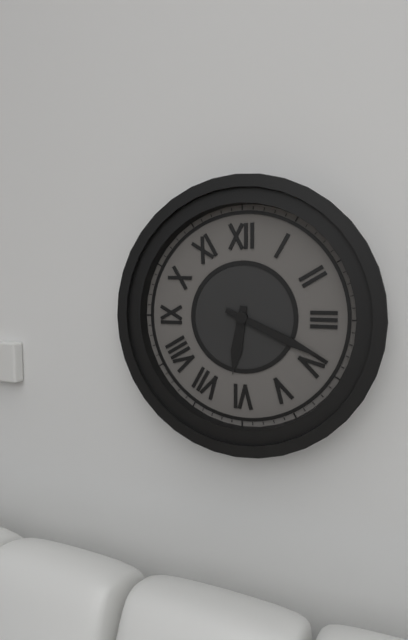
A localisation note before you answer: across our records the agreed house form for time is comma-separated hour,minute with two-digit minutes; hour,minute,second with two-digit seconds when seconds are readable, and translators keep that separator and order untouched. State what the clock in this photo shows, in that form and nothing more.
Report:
6,19
